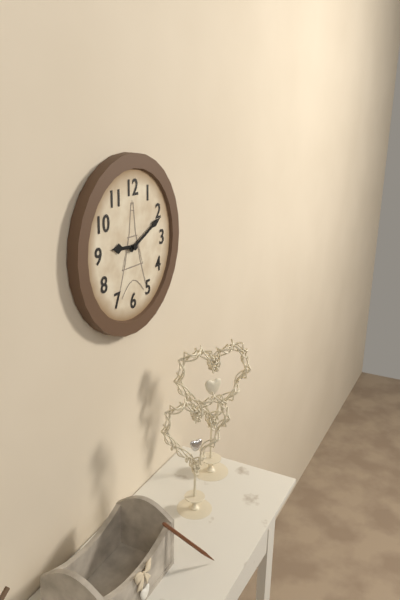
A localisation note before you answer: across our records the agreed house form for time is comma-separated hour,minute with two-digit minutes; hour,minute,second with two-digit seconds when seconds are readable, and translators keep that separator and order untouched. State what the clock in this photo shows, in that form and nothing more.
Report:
9,11
